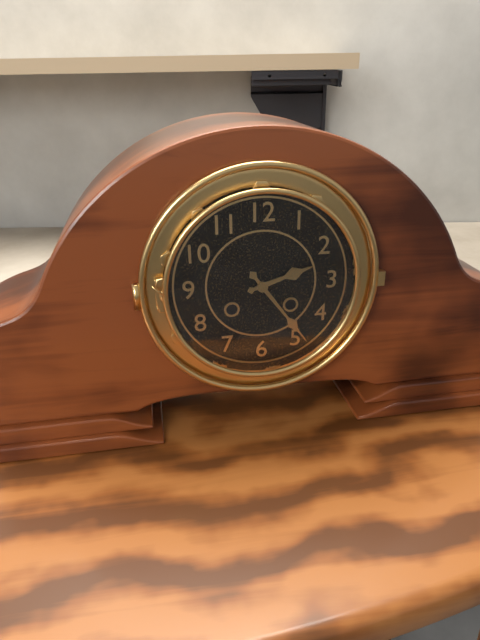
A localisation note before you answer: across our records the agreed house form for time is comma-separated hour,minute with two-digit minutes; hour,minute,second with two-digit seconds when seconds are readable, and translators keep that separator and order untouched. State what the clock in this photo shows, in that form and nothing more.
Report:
2,24
